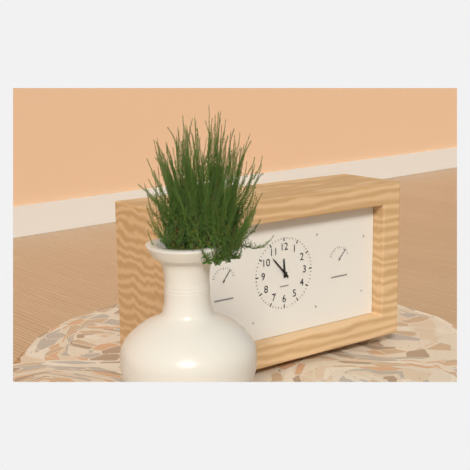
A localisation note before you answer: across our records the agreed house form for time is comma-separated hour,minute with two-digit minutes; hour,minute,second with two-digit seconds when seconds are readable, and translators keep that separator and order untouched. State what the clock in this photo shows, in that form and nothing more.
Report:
11,53
